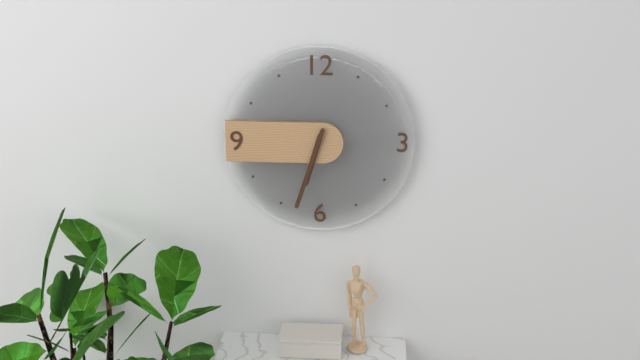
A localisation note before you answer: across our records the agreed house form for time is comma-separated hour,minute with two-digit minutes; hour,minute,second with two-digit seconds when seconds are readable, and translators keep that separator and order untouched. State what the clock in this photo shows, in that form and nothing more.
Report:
6,33
